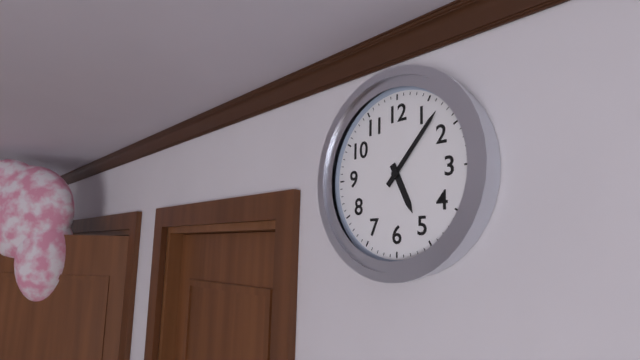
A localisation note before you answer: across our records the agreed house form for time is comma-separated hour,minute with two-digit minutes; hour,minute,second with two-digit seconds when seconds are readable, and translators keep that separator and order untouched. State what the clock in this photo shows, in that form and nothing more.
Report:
5,07
